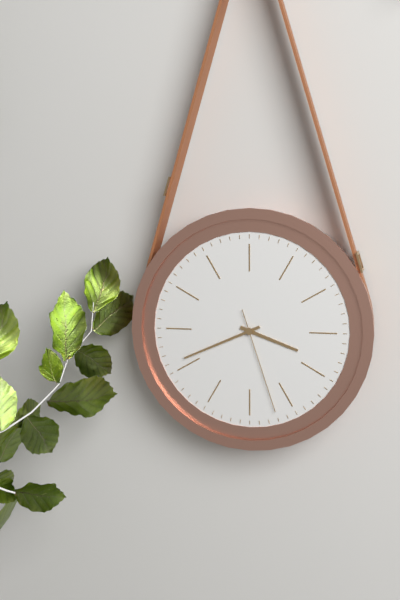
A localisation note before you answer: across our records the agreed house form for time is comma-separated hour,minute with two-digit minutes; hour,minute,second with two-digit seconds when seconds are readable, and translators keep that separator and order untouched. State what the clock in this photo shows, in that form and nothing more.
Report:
3,41,27
